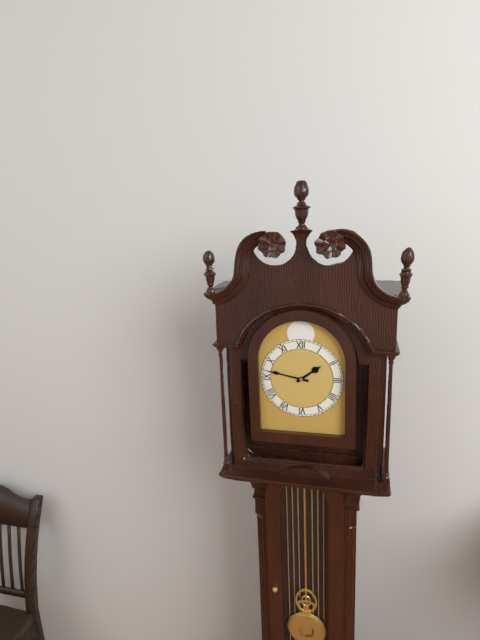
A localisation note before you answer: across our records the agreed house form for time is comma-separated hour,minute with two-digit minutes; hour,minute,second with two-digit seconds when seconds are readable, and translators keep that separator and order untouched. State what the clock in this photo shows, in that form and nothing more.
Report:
1,47
